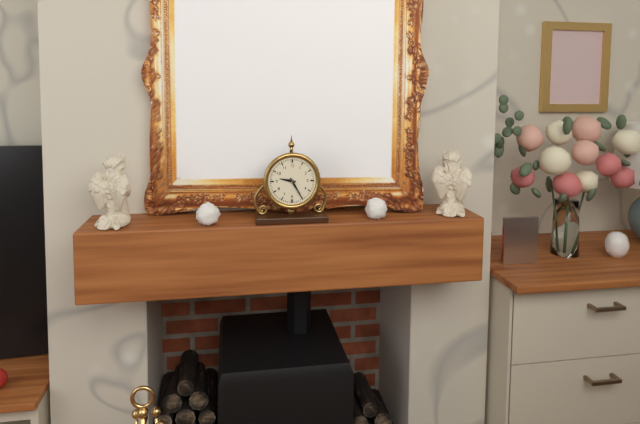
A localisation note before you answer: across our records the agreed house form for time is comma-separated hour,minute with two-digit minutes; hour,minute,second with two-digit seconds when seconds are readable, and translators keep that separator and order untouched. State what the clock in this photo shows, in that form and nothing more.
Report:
9,25
